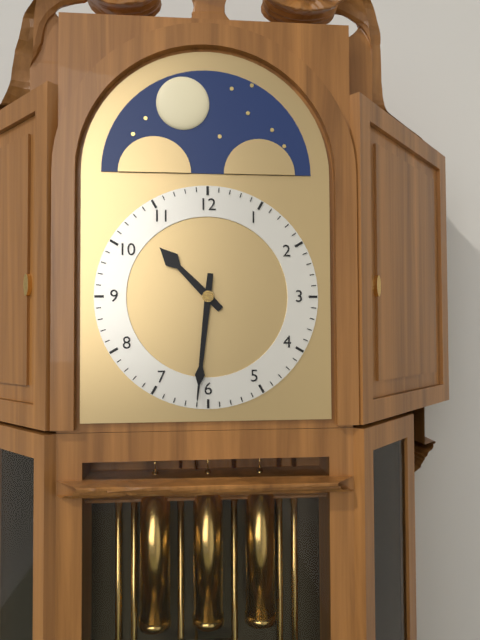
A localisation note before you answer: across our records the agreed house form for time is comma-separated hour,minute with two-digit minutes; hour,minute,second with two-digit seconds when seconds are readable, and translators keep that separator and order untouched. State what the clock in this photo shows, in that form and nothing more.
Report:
10,31
